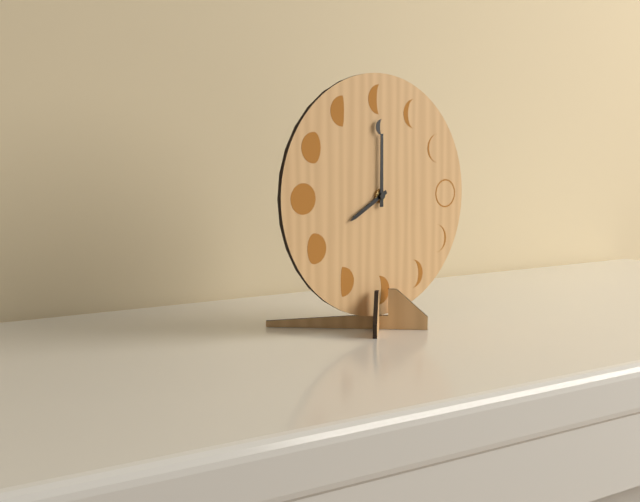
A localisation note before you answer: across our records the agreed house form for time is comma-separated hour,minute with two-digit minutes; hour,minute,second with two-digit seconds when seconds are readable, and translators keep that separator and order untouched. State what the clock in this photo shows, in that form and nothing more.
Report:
8,00
